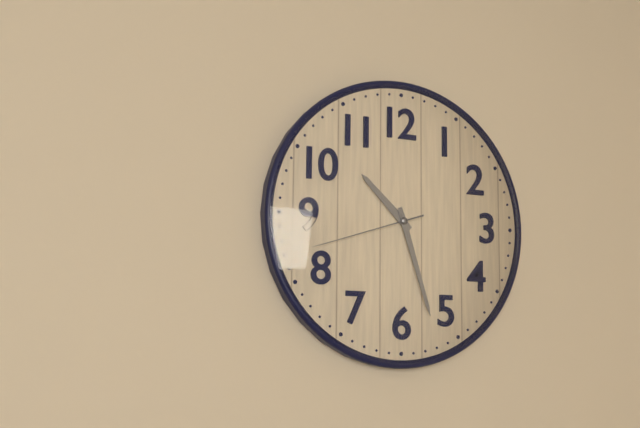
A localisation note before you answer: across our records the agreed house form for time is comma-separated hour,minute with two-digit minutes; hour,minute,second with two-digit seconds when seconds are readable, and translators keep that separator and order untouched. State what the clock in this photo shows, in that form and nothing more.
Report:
10,27,42
